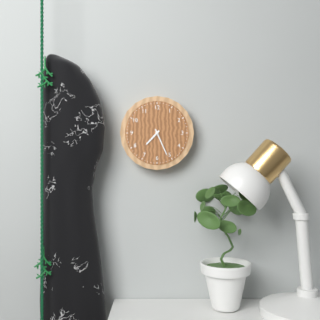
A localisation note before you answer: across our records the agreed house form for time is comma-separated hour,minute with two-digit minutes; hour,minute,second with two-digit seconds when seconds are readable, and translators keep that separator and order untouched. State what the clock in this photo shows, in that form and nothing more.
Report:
7,26
